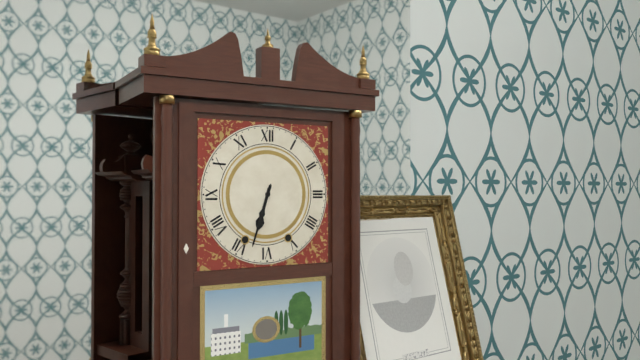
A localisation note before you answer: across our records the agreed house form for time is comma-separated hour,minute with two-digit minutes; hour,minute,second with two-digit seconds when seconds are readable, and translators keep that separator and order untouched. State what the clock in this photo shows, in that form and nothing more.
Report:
6,33
